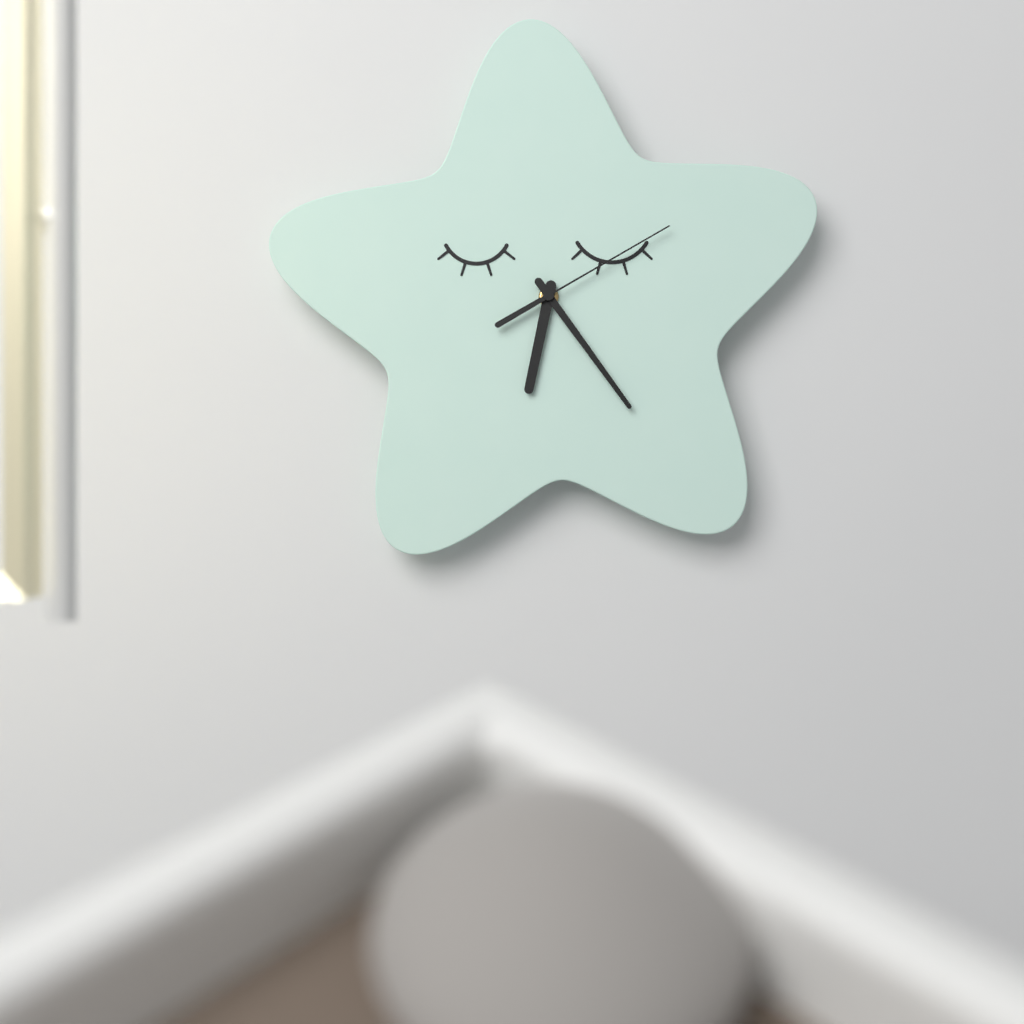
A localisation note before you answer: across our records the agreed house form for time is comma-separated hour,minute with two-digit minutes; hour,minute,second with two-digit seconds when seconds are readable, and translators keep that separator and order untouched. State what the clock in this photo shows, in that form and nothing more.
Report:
6,24,10
